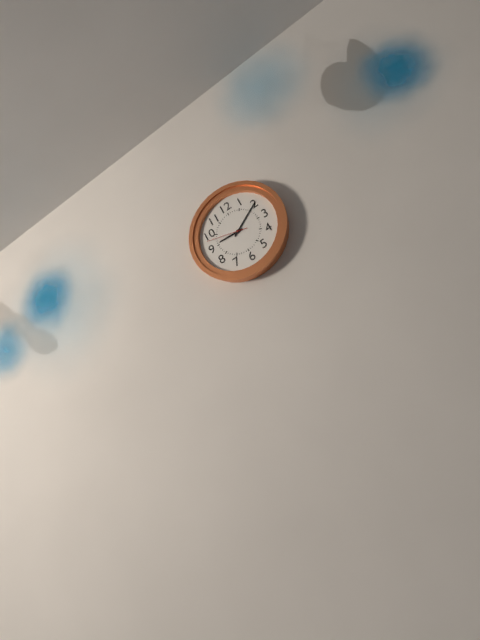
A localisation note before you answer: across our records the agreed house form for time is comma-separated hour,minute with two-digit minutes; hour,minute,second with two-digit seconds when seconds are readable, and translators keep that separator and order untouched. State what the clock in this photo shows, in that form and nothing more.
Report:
9,10
